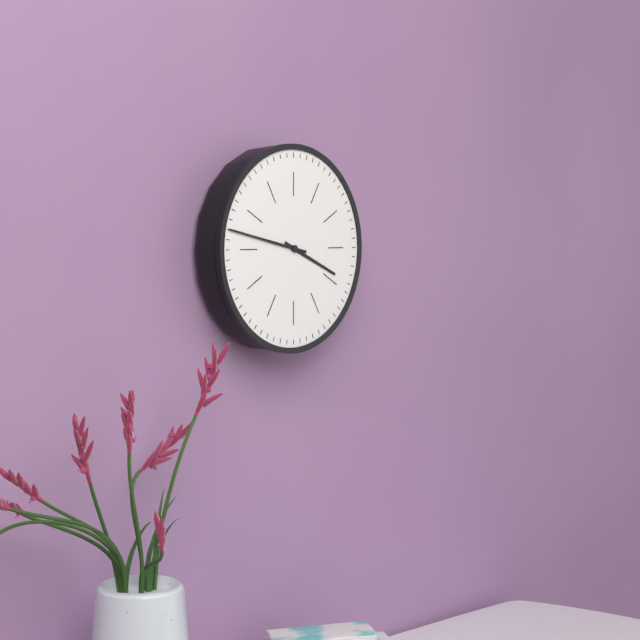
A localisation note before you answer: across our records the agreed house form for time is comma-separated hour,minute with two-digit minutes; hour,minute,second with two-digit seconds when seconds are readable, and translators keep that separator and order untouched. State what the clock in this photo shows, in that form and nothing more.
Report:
3,47
